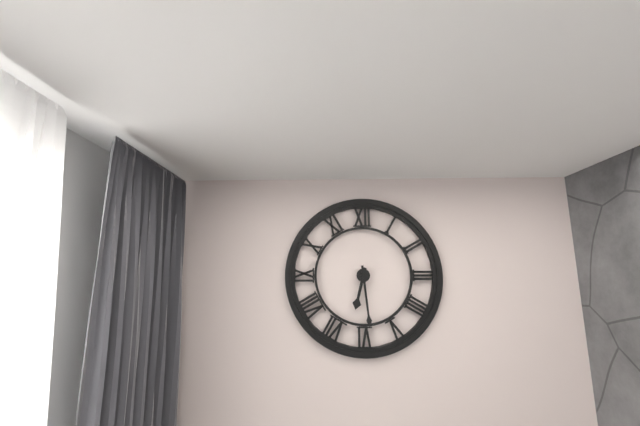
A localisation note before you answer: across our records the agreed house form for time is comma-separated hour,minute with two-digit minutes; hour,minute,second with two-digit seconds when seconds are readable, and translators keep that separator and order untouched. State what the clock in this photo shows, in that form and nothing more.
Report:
6,29
